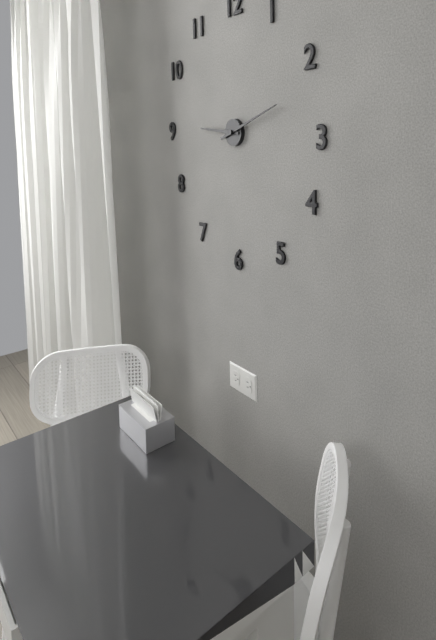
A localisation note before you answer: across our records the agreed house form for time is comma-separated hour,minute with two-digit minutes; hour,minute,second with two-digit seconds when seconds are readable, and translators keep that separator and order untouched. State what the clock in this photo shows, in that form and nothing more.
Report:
9,12
